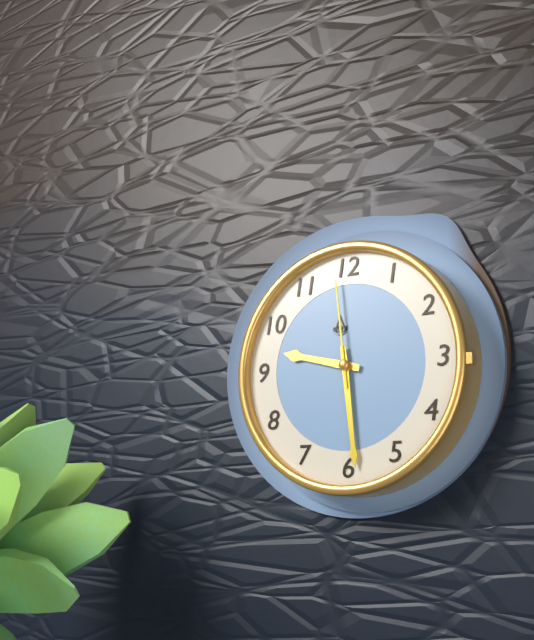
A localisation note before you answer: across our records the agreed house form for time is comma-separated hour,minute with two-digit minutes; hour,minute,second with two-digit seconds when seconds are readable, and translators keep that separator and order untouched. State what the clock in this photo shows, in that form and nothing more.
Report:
9,29,59
